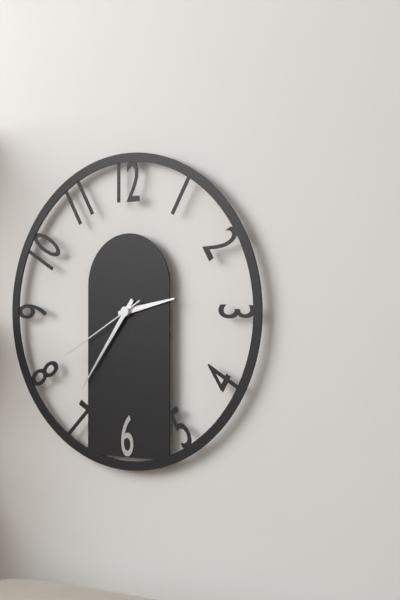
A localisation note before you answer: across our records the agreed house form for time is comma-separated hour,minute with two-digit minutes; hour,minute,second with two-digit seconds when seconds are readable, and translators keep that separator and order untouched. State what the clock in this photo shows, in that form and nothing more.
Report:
2,36,40
